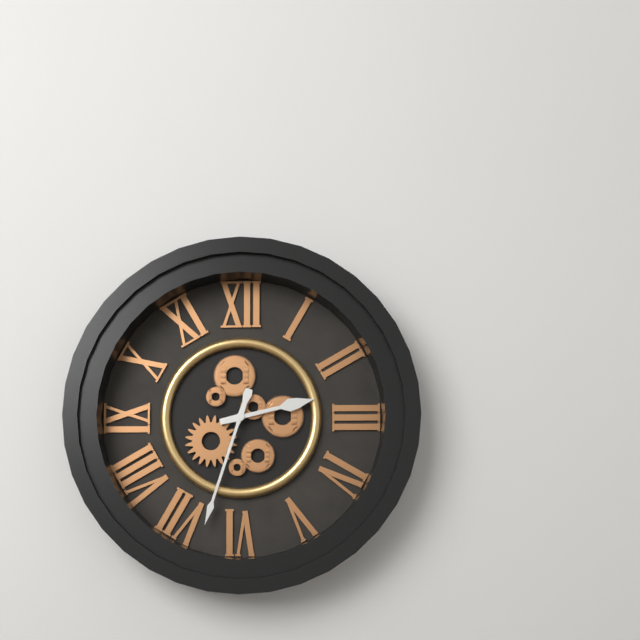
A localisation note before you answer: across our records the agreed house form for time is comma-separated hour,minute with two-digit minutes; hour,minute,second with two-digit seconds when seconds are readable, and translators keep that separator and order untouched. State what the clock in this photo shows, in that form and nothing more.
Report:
2,33
